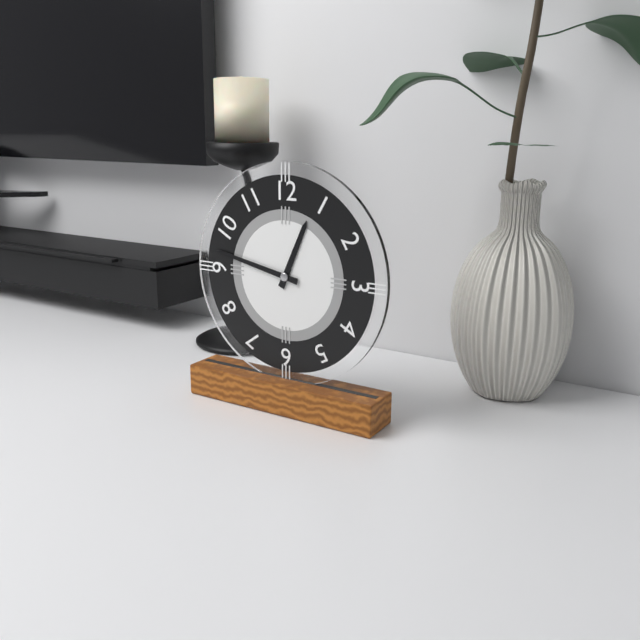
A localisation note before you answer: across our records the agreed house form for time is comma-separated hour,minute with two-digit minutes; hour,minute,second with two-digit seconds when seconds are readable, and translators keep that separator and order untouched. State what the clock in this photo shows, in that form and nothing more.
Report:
12,47
